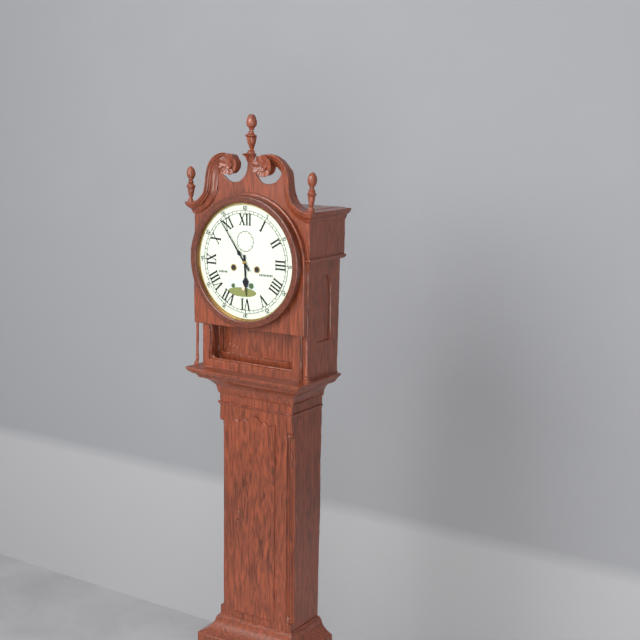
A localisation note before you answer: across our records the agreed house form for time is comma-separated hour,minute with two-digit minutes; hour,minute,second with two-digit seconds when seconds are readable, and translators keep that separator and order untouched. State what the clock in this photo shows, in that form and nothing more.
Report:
5,54
